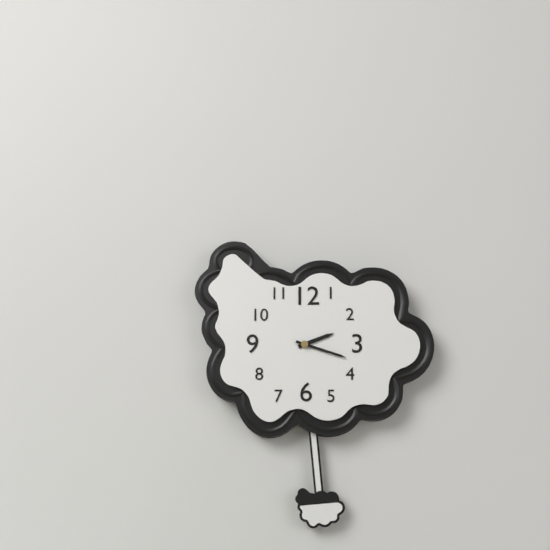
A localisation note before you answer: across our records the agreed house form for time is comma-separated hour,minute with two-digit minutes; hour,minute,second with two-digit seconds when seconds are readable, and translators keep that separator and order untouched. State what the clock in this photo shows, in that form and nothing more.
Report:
2,18
